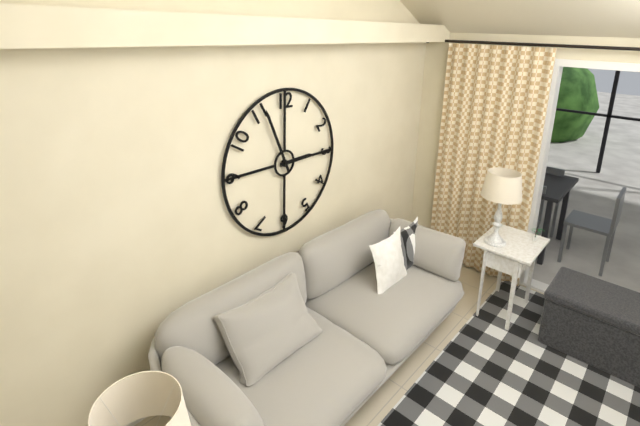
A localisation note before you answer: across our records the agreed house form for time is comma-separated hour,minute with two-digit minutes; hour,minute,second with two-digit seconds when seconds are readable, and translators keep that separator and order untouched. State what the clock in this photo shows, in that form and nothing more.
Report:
2,56
